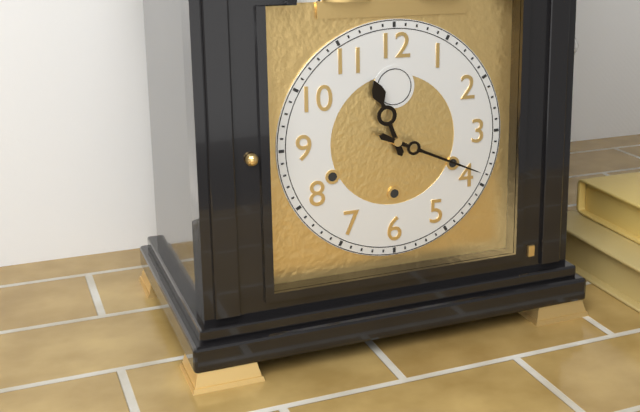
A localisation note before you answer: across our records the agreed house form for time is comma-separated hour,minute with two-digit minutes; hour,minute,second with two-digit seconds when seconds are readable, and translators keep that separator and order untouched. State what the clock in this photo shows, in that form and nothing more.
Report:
11,19
